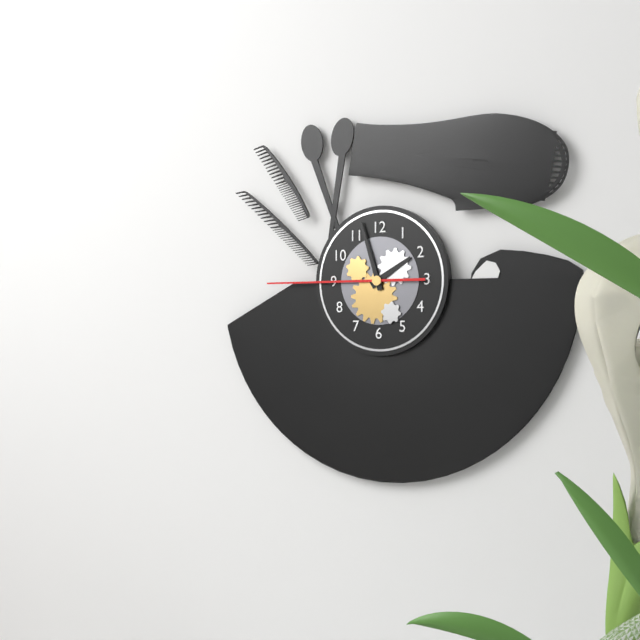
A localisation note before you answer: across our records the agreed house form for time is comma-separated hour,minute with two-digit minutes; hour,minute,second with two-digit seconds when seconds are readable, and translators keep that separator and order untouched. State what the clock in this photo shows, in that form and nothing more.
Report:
1,57,45
